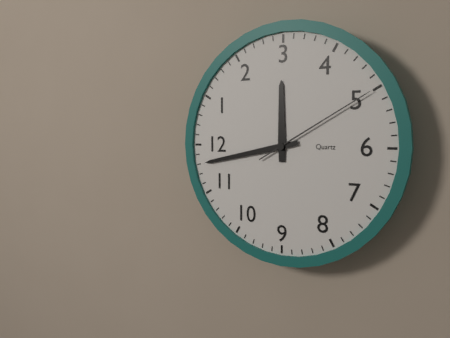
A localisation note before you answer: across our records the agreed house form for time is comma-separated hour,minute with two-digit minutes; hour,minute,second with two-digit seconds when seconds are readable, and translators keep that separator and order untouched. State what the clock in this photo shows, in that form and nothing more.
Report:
2,58,25
